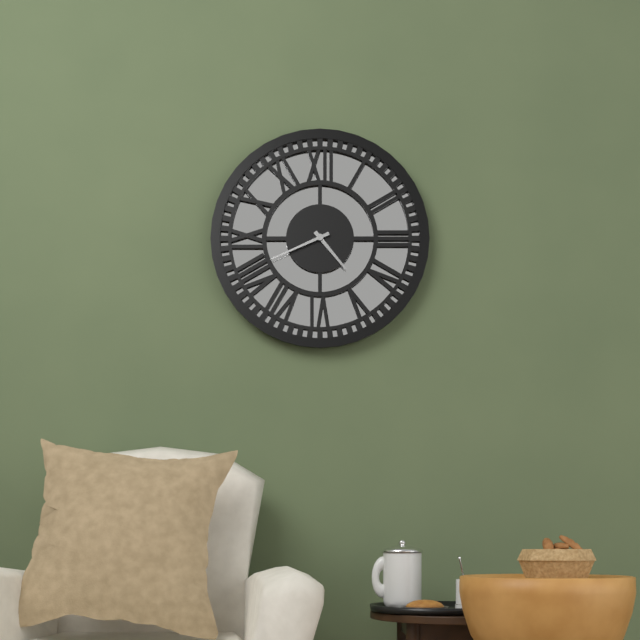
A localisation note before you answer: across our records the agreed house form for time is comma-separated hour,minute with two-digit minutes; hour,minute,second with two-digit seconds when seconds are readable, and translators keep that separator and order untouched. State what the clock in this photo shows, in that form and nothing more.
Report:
4,41
